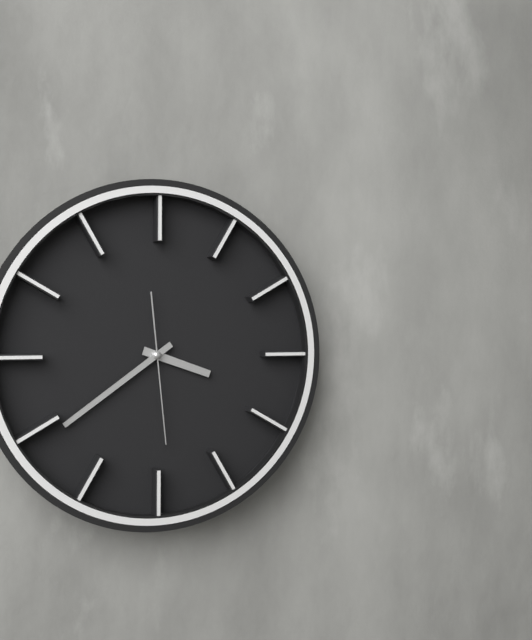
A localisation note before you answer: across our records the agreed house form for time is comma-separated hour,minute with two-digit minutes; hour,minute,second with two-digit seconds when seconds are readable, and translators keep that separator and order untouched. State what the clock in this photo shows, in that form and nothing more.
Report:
3,39,29
